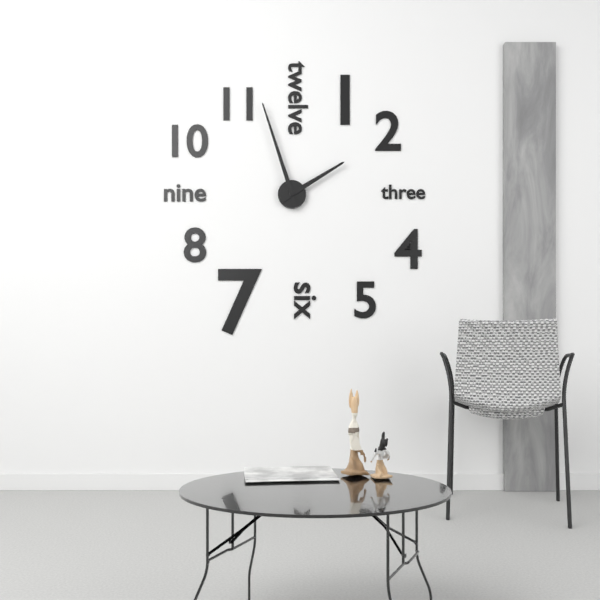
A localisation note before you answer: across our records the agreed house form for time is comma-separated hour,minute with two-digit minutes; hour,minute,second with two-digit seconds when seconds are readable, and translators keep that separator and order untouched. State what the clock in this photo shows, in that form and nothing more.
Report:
1,57
